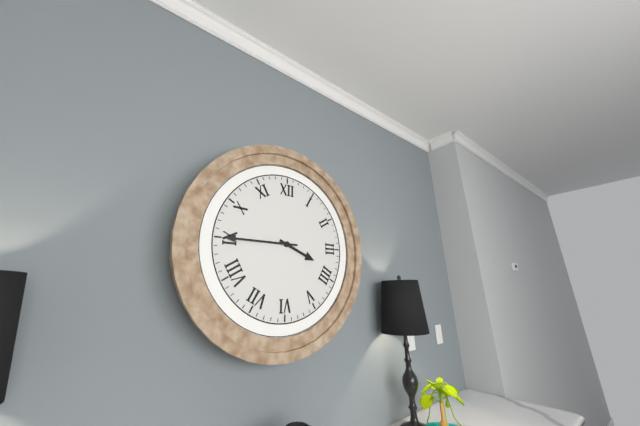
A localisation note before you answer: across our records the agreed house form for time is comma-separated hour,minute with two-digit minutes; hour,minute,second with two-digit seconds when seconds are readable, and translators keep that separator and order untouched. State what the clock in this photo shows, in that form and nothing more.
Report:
3,45
